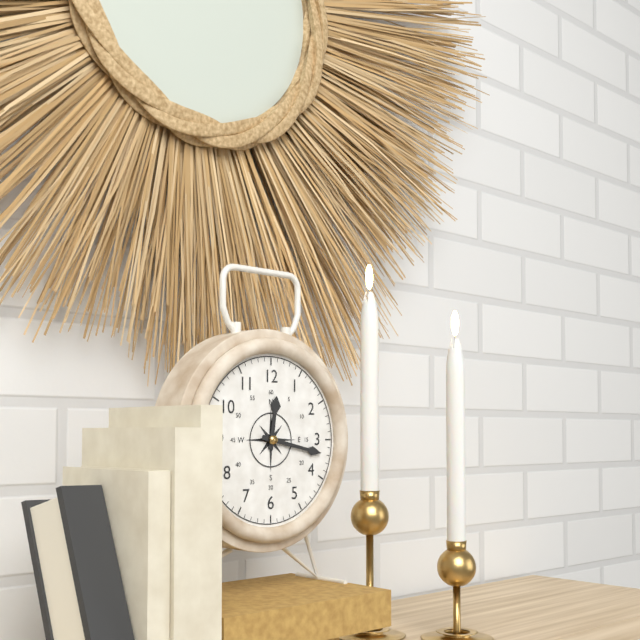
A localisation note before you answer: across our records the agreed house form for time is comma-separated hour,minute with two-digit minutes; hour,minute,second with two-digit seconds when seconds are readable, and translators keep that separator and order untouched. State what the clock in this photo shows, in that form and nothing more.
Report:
12,17
